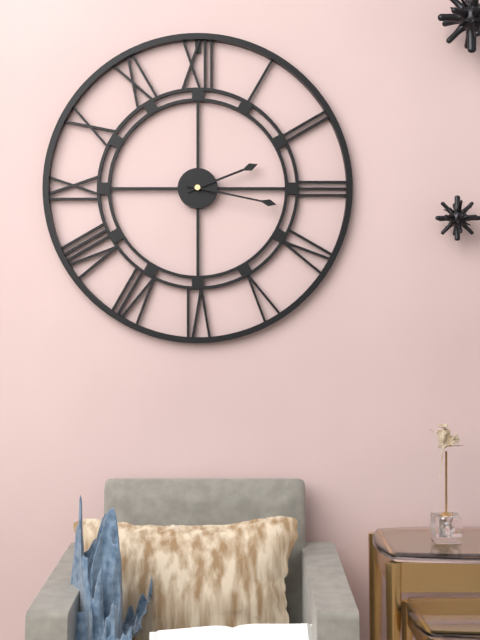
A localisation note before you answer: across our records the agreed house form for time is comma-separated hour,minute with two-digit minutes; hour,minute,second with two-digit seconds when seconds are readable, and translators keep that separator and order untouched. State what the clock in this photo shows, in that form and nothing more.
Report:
2,17
